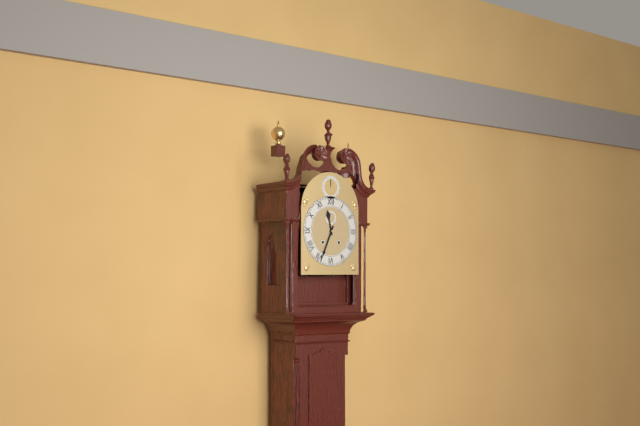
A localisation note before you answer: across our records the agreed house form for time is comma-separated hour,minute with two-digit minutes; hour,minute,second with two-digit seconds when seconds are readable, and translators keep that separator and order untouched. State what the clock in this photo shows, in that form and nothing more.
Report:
11,34
